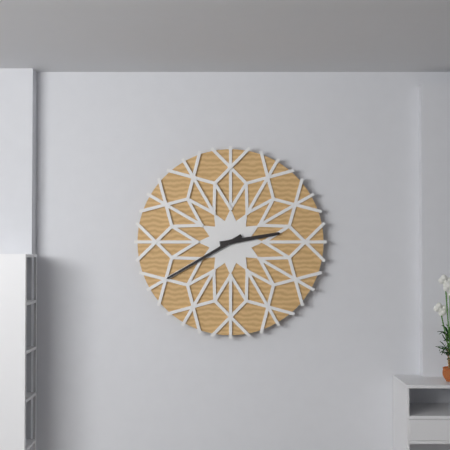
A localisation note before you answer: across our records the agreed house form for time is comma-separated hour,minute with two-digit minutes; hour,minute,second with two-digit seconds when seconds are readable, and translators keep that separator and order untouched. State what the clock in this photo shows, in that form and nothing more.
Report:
2,40
